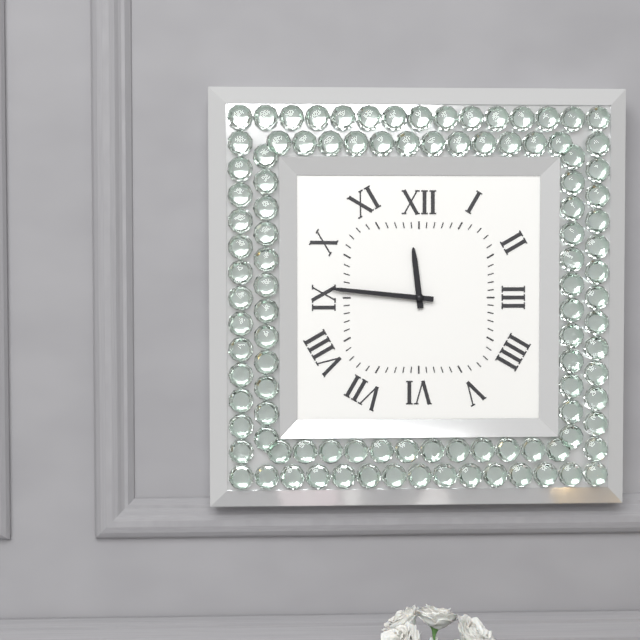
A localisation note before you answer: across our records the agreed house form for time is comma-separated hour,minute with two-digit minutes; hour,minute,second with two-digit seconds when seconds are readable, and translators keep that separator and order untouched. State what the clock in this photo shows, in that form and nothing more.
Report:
11,46
